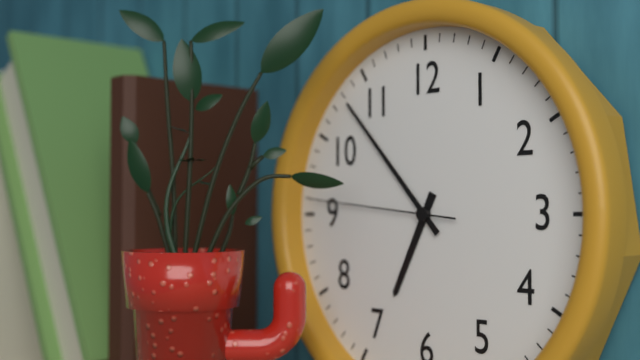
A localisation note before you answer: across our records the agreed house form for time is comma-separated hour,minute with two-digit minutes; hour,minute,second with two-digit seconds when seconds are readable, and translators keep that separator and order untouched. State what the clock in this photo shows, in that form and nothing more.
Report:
6,53,46
